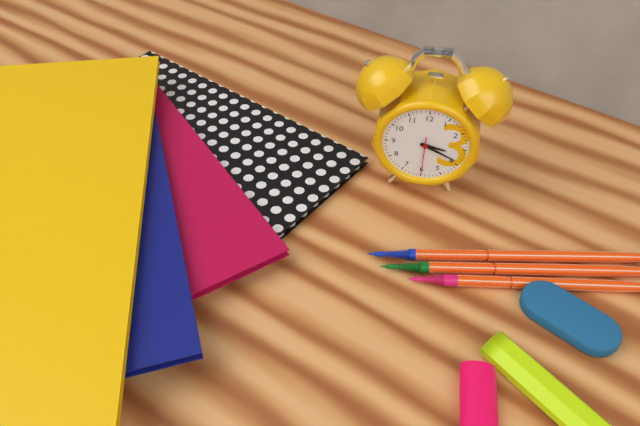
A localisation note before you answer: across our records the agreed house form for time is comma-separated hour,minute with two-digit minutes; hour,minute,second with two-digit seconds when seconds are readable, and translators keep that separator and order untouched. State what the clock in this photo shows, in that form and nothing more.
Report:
3,19
